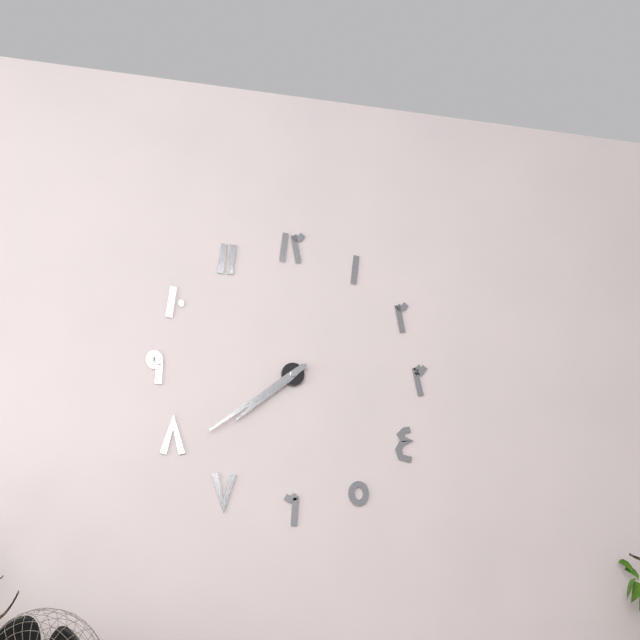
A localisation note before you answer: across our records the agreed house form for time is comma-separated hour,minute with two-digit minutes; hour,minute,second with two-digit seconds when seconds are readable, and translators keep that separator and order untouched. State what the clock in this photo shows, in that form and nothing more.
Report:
7,39
